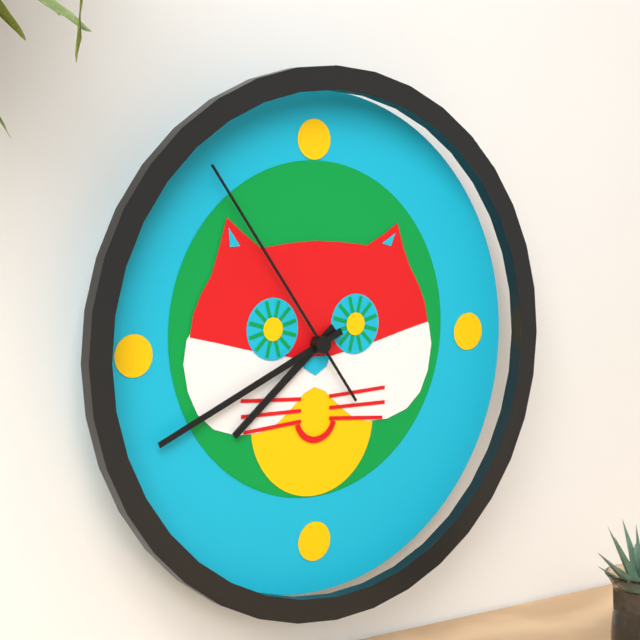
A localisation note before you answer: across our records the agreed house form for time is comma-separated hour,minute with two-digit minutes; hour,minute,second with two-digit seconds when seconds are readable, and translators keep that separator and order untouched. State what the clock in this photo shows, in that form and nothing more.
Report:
7,41,54
